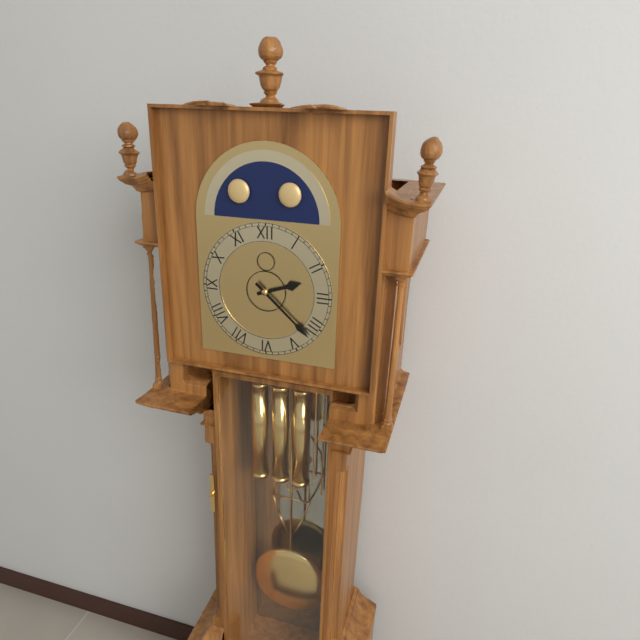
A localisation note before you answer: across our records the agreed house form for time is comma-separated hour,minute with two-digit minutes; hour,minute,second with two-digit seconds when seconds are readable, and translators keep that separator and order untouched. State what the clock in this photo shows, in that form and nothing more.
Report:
2,22
